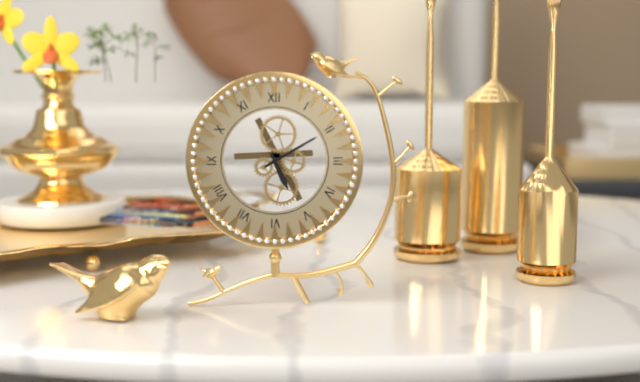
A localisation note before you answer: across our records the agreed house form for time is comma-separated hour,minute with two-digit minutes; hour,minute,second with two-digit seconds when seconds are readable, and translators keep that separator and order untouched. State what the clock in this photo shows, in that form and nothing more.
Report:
5,10
